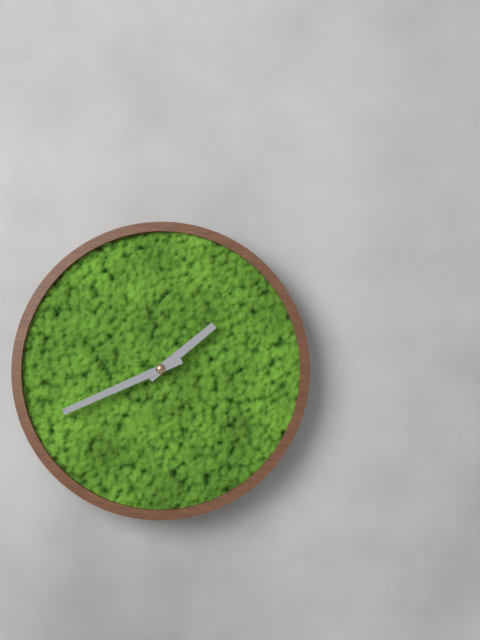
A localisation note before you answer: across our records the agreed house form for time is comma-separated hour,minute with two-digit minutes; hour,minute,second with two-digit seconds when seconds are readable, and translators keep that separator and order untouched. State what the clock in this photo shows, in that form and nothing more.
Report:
1,41
